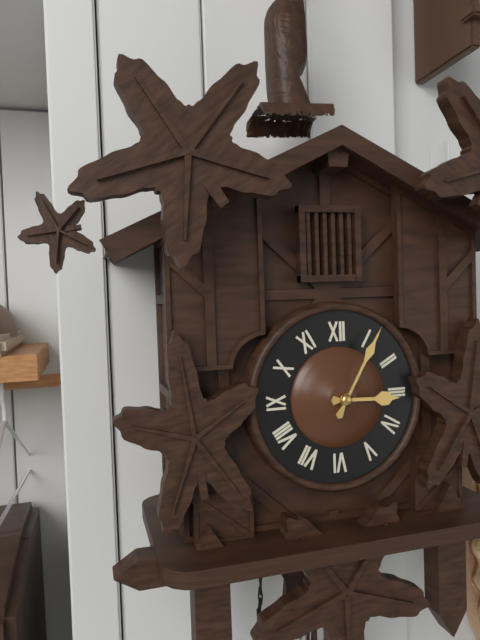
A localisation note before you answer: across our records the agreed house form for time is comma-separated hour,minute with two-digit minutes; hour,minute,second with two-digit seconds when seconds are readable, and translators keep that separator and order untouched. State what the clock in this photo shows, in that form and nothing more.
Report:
3,05
